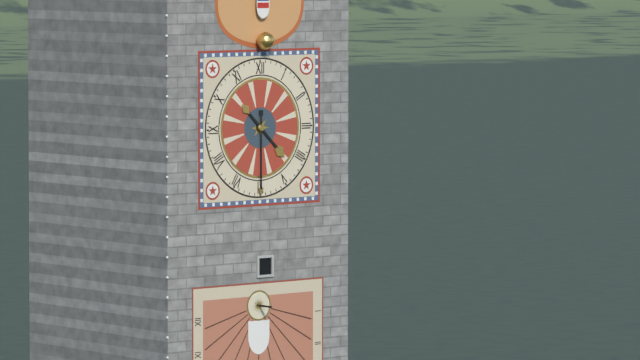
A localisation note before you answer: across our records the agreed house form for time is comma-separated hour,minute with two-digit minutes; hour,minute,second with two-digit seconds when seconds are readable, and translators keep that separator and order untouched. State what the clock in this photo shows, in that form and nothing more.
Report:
4,30
